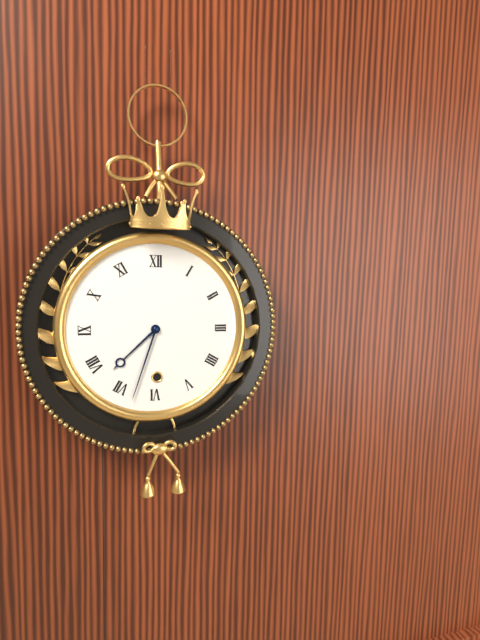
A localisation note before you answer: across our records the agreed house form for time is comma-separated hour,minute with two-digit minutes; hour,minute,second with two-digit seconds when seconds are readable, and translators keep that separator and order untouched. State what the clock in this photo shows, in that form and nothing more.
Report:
7,33
